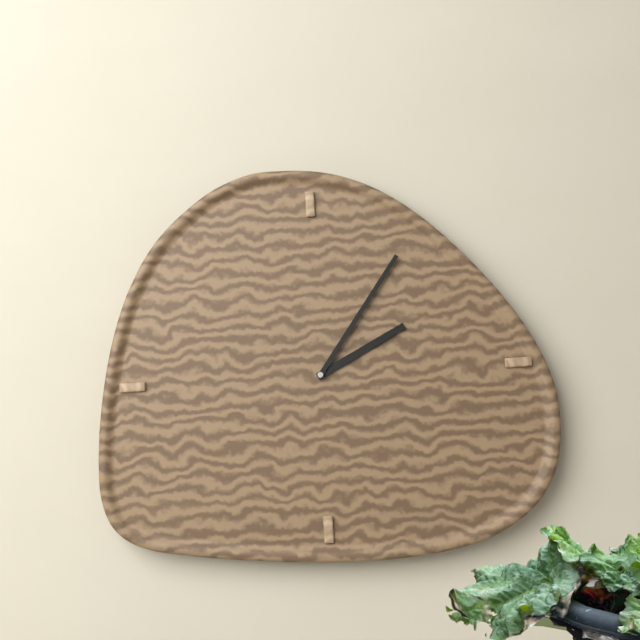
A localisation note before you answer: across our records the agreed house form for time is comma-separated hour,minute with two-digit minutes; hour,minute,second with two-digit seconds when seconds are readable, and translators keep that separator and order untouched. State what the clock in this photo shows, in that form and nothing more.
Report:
2,06
